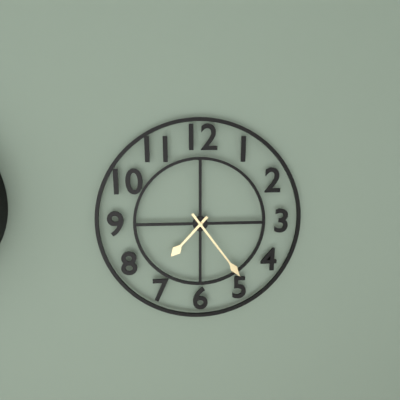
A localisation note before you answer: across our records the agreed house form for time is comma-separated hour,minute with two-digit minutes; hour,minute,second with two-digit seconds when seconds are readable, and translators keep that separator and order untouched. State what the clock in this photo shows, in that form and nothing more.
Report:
7,24
